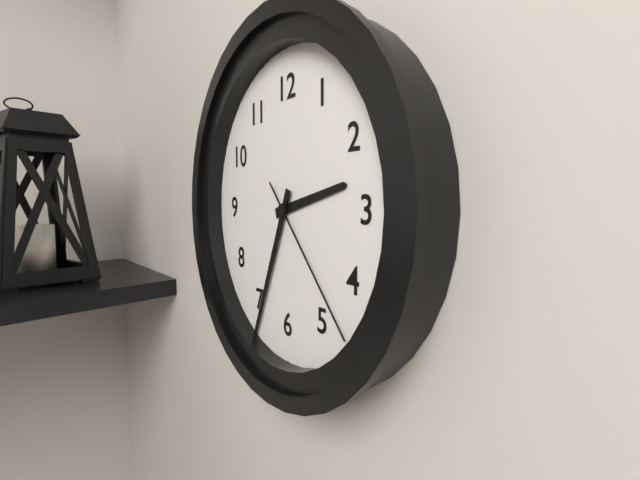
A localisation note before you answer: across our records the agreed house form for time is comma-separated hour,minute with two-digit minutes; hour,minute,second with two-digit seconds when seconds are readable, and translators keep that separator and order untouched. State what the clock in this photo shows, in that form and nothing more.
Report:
2,34,23
